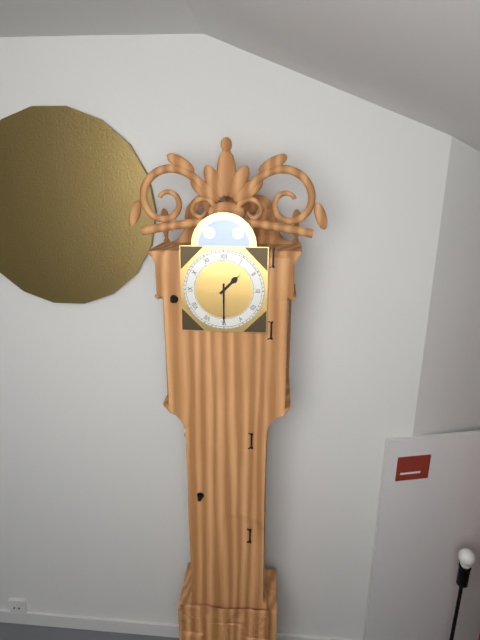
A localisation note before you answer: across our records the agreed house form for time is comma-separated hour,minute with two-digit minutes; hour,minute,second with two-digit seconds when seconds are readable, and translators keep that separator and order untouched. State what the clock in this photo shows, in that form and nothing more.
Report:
1,30
